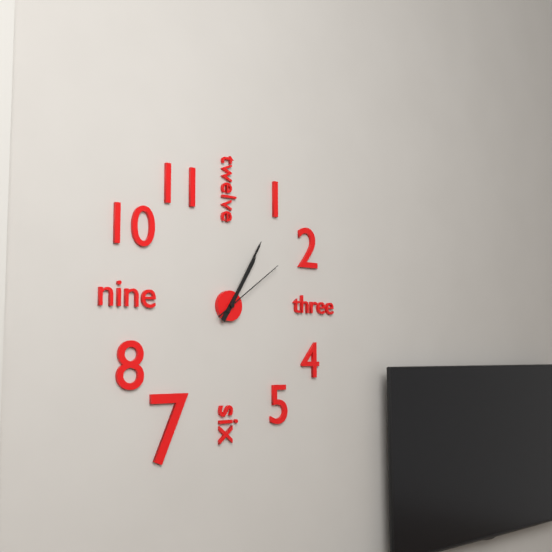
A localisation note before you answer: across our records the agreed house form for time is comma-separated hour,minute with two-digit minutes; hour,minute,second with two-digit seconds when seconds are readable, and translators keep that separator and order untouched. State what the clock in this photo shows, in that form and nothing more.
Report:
1,05,09
